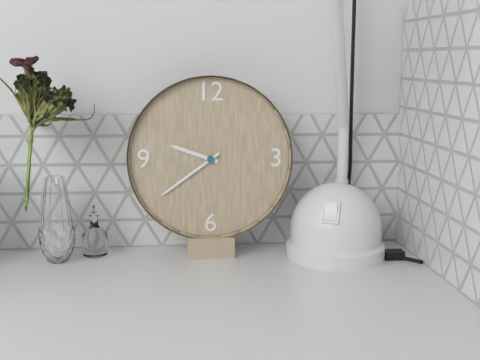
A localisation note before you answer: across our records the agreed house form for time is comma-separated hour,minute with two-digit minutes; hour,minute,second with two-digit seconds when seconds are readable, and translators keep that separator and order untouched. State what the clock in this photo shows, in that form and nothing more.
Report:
9,39
